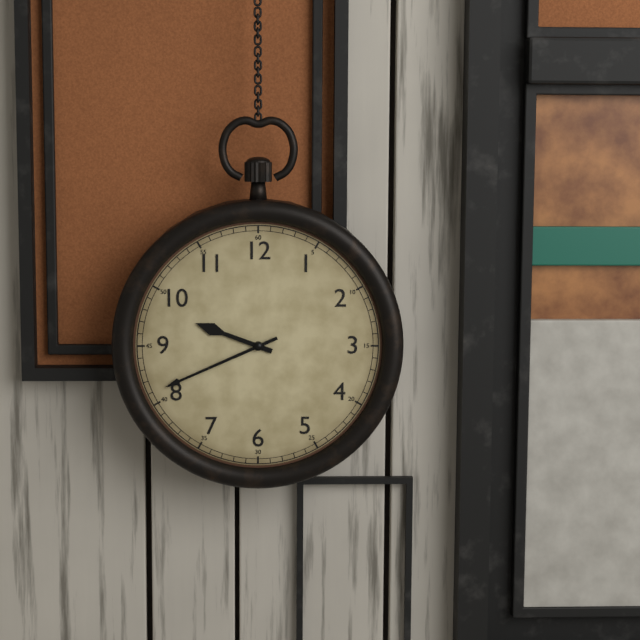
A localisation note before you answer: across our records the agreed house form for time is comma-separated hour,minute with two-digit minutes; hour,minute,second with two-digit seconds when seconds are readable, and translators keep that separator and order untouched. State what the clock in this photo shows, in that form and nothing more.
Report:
9,41
